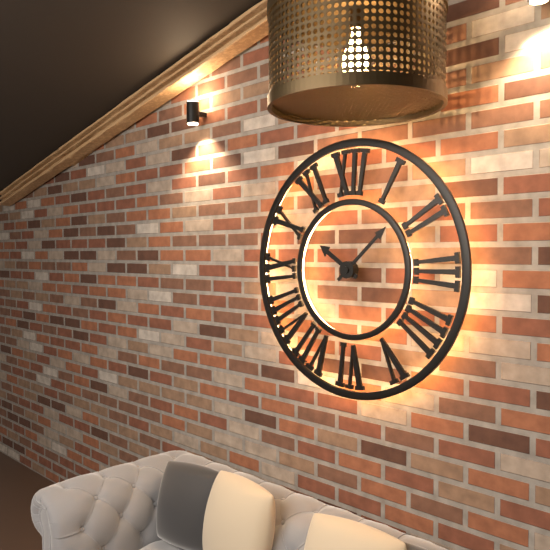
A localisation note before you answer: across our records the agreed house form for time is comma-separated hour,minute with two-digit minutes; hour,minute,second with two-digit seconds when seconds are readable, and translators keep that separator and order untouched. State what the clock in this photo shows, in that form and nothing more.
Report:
10,08
